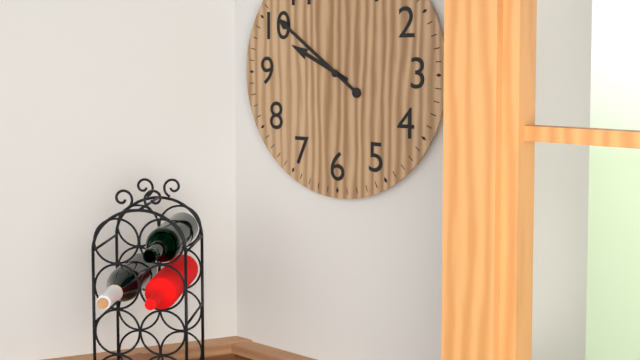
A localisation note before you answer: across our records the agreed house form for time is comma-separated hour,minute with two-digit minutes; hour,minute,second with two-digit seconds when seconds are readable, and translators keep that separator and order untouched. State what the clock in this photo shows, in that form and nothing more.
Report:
9,51
